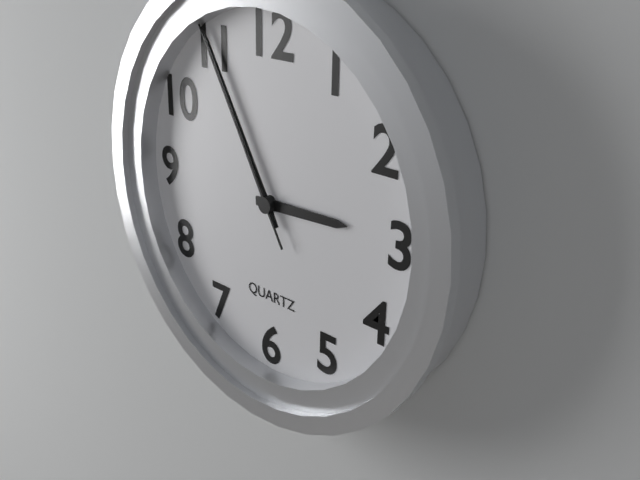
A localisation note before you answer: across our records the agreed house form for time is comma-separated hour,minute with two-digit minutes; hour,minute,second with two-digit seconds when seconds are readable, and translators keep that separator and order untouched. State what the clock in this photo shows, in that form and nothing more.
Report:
2,55,55
